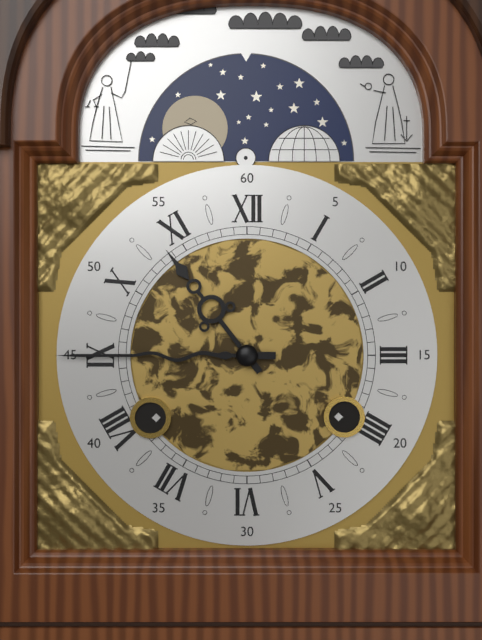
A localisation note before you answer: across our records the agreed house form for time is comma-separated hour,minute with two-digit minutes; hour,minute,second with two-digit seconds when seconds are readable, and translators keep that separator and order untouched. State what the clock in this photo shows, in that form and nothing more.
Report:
10,45
